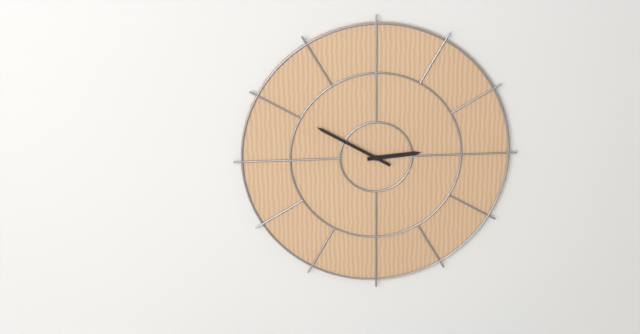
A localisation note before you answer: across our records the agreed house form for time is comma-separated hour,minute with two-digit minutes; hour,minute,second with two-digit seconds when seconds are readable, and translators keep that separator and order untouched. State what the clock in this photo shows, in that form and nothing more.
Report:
2,50
